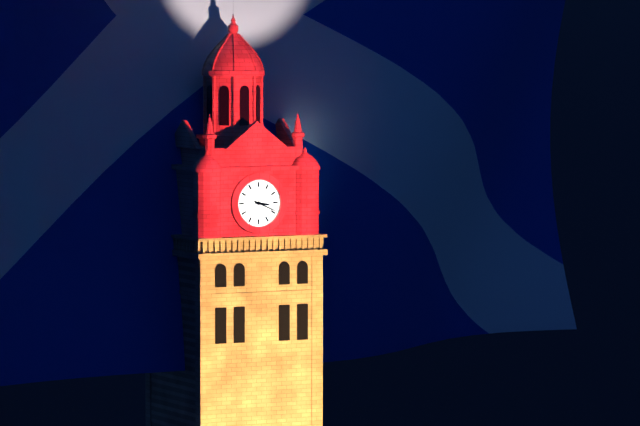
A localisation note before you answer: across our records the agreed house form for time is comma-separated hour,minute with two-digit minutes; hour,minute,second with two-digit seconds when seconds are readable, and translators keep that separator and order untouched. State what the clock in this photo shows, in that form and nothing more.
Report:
3,19
